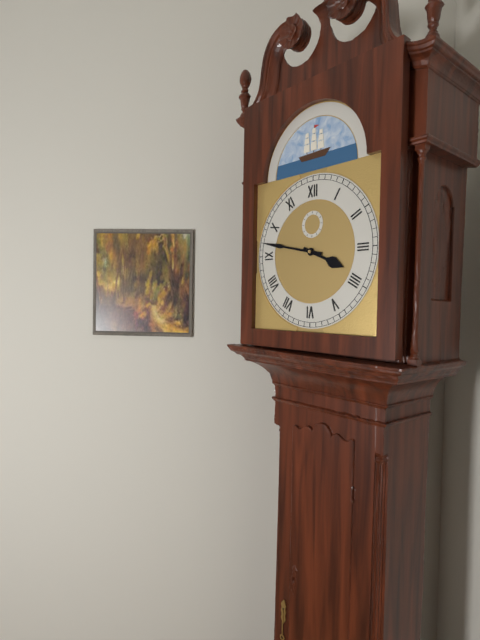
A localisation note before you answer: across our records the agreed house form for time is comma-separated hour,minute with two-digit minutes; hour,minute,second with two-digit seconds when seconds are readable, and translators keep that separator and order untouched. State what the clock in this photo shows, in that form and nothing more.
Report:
3,47
